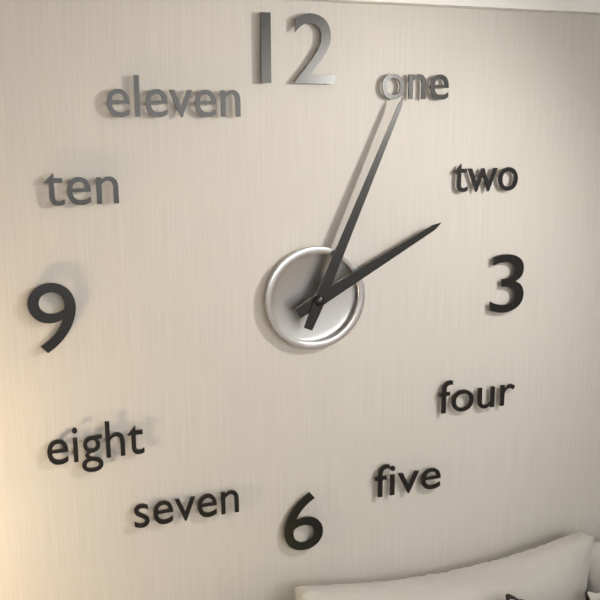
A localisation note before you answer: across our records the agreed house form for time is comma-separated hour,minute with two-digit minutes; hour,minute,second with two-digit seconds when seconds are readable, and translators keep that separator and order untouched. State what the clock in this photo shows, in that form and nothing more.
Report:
2,04
